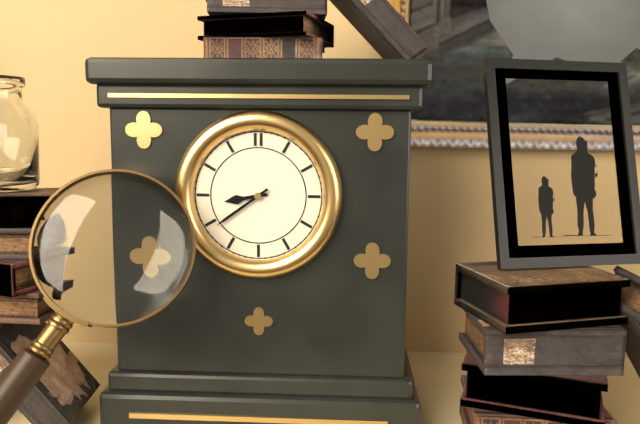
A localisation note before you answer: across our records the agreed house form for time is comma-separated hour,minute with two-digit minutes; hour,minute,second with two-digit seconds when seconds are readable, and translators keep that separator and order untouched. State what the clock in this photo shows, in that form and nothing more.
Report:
8,39
